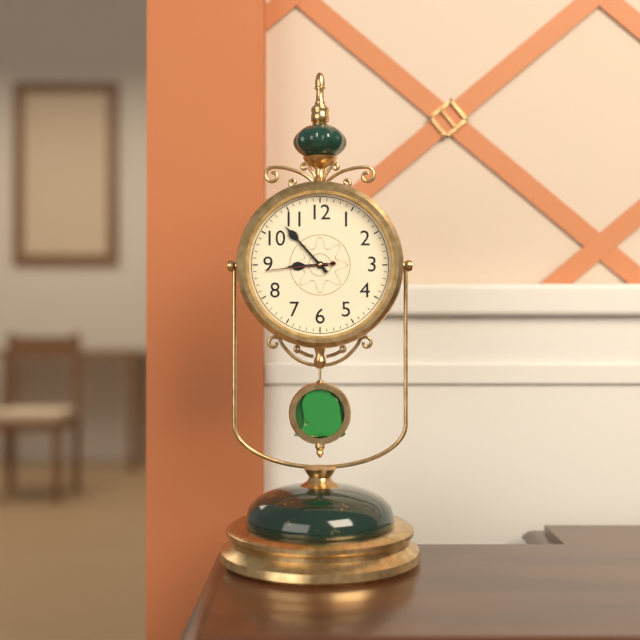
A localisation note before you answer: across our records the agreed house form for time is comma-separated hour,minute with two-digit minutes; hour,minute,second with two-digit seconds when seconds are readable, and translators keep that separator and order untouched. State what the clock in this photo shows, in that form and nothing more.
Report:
8,53,44
